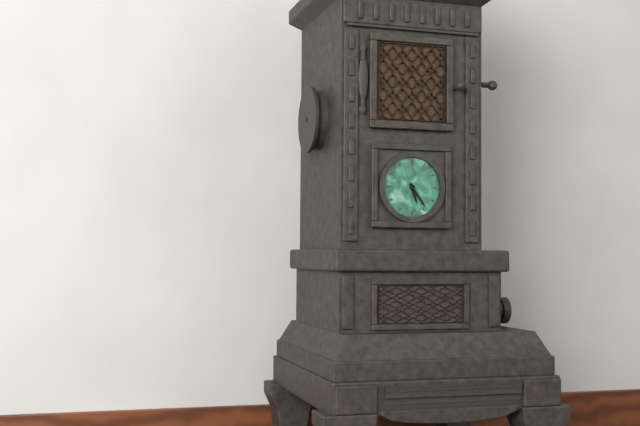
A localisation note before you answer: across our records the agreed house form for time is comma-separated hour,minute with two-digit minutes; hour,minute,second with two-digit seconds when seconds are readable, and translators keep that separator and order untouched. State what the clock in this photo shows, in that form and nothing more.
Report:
5,24
